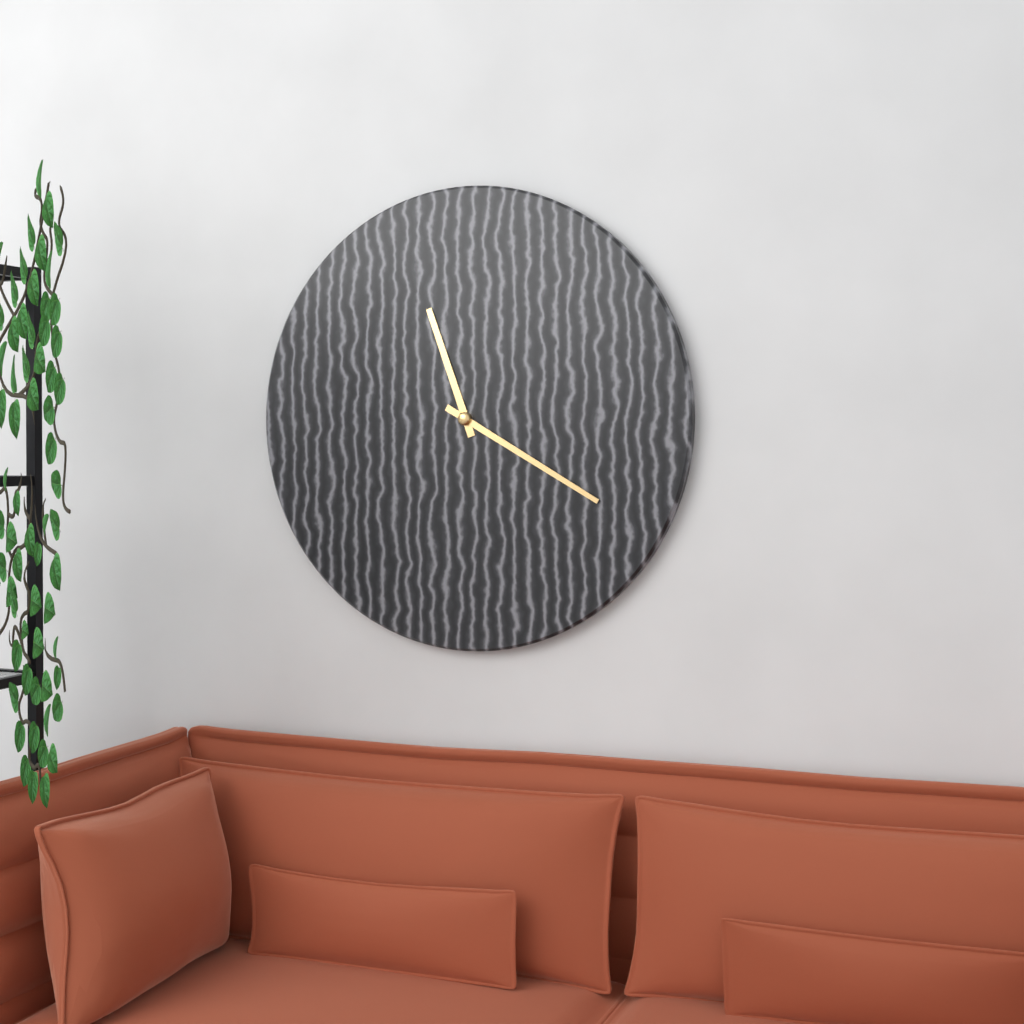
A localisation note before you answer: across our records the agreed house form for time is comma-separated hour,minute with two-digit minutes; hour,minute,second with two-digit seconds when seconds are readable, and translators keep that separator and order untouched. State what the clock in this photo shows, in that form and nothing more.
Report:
11,20
